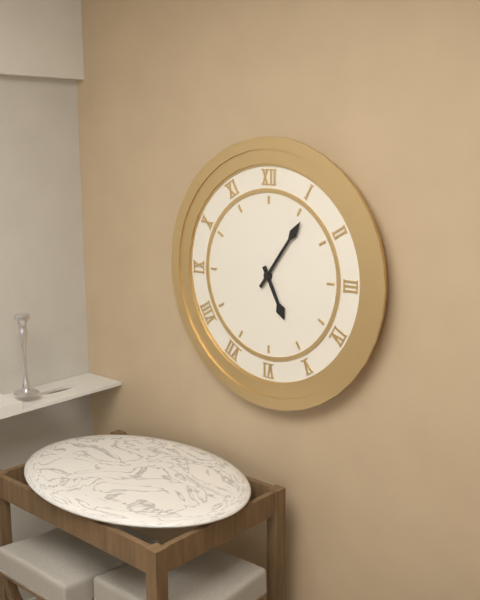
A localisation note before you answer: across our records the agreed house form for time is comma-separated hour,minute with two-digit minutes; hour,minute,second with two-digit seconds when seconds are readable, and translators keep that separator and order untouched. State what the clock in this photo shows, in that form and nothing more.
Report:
5,06
